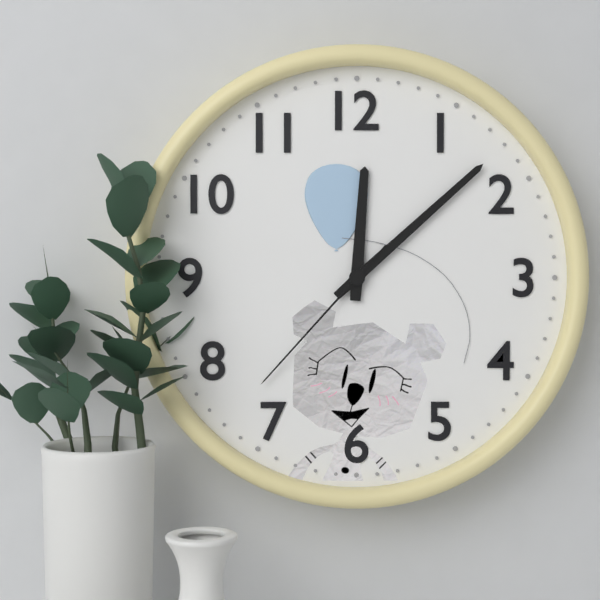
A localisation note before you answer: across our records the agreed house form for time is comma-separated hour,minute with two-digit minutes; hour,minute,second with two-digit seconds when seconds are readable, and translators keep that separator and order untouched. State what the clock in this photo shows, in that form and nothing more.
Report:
12,08,37
